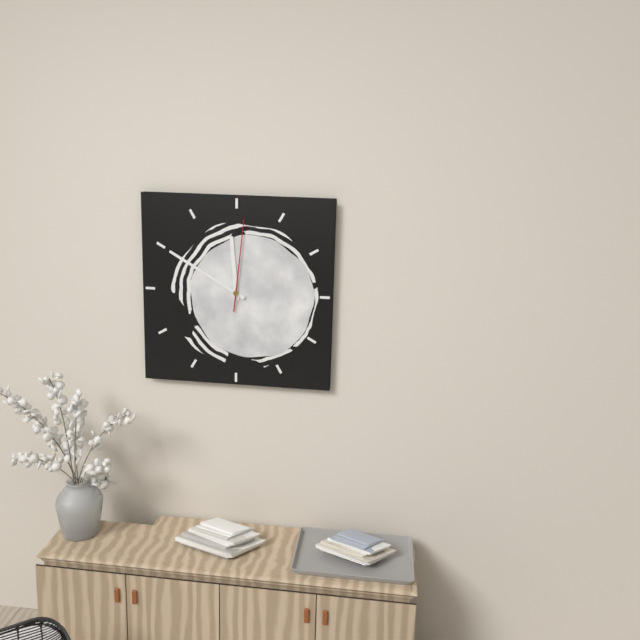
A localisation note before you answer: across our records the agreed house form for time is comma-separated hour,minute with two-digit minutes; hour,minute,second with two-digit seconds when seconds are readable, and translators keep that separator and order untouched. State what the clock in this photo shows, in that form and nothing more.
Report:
11,50,01
